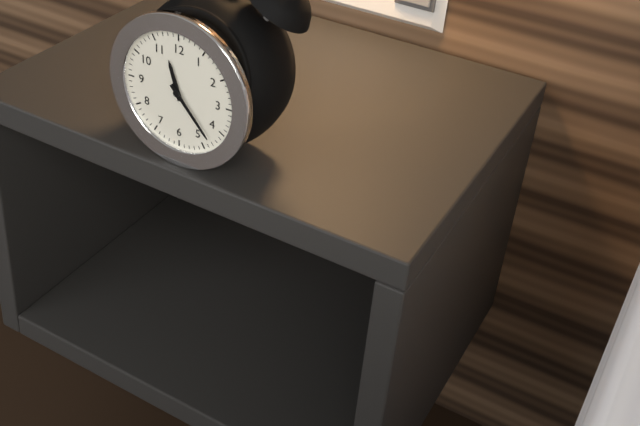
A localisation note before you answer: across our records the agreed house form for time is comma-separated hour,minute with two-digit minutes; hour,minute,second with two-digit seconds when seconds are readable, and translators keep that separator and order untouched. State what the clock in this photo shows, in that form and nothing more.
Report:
11,23
